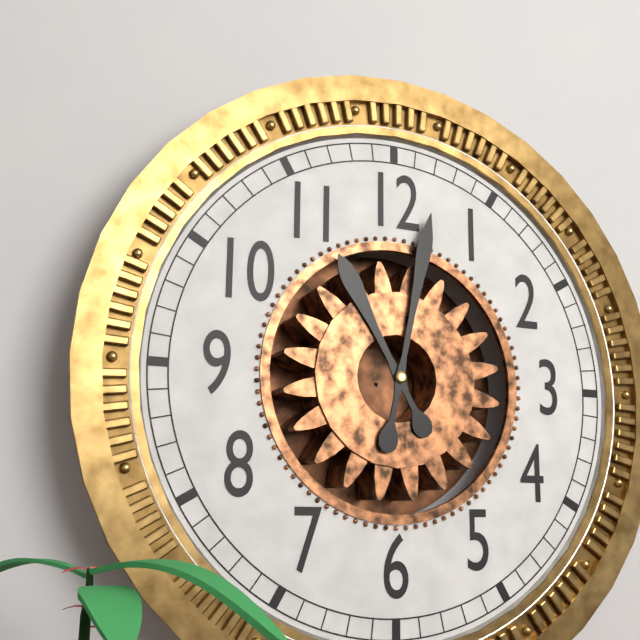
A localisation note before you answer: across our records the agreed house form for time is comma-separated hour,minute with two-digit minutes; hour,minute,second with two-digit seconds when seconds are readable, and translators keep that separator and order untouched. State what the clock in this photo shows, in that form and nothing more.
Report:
11,02
